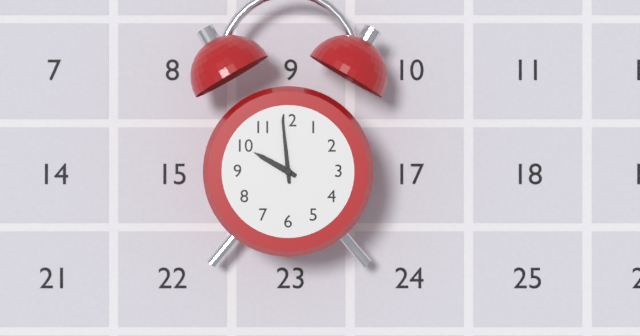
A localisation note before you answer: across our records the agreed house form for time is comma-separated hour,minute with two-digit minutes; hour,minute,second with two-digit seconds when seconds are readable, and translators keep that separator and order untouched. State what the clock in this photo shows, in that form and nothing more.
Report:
9,59
